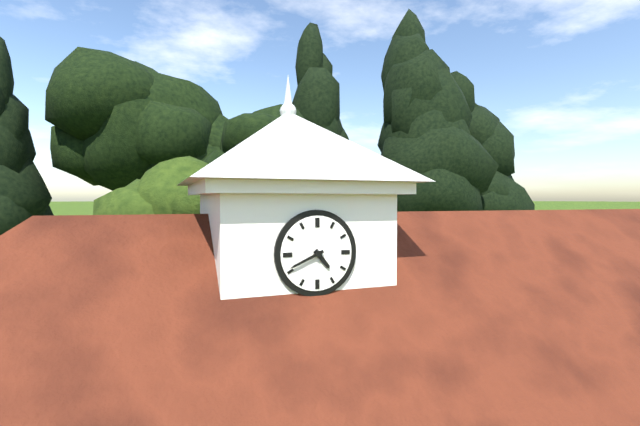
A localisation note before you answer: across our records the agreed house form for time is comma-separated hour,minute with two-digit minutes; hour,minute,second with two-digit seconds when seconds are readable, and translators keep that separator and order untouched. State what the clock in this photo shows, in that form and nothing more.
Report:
4,41
